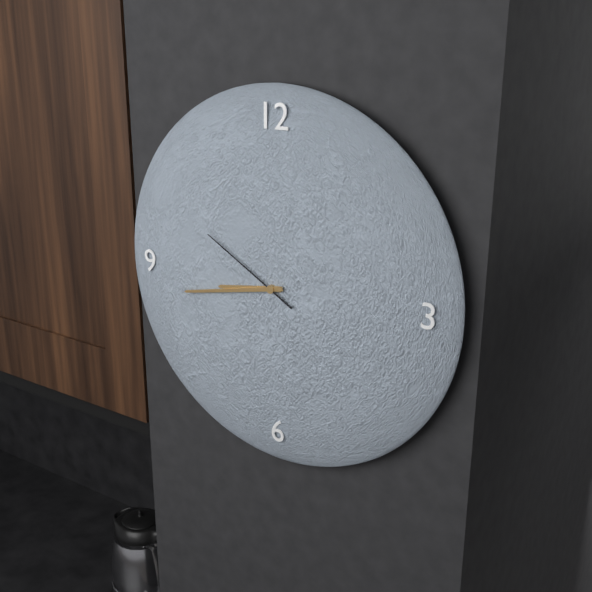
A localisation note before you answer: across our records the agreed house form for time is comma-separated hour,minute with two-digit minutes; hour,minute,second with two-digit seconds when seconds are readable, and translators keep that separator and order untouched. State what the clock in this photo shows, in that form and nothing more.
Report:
8,43,50
